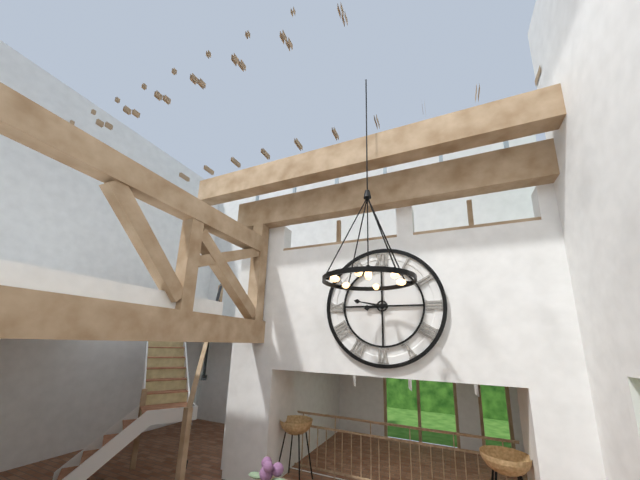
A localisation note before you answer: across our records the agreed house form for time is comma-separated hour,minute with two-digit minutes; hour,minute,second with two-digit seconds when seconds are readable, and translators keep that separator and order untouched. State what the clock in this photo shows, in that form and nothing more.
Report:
8,47
